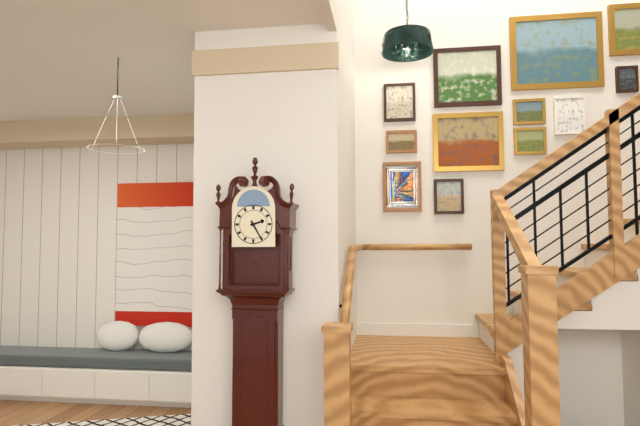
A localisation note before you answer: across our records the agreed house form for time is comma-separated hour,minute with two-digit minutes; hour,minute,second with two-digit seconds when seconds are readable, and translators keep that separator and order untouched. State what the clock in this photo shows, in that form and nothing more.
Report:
2,25
